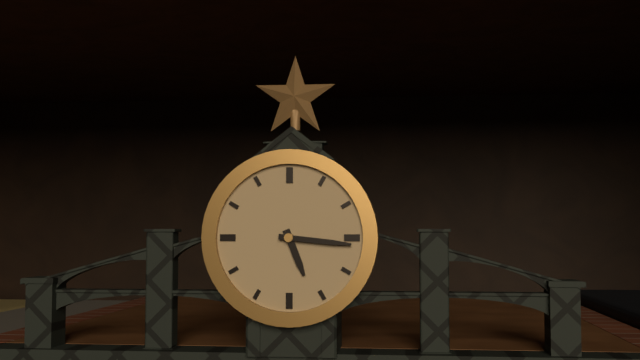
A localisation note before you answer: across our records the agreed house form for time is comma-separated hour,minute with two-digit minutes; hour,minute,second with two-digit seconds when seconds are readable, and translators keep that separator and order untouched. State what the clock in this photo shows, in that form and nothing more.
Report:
5,16
